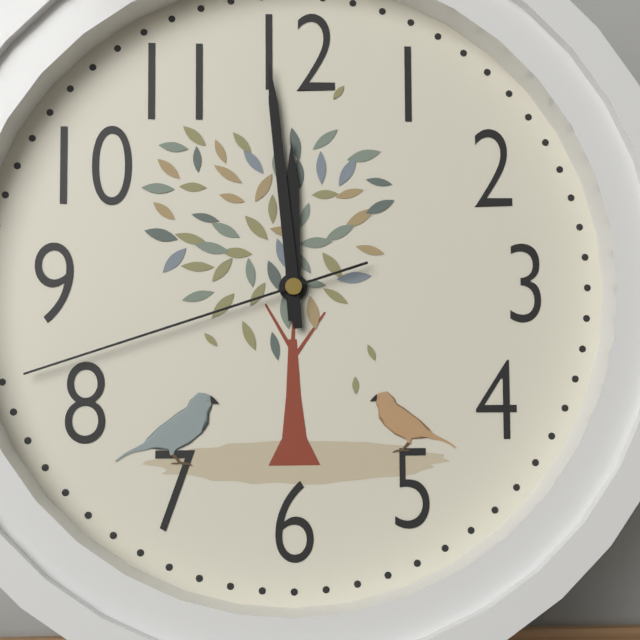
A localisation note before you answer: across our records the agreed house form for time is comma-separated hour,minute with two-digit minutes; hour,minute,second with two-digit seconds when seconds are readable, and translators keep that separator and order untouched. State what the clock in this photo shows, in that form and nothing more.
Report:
11,59,42
